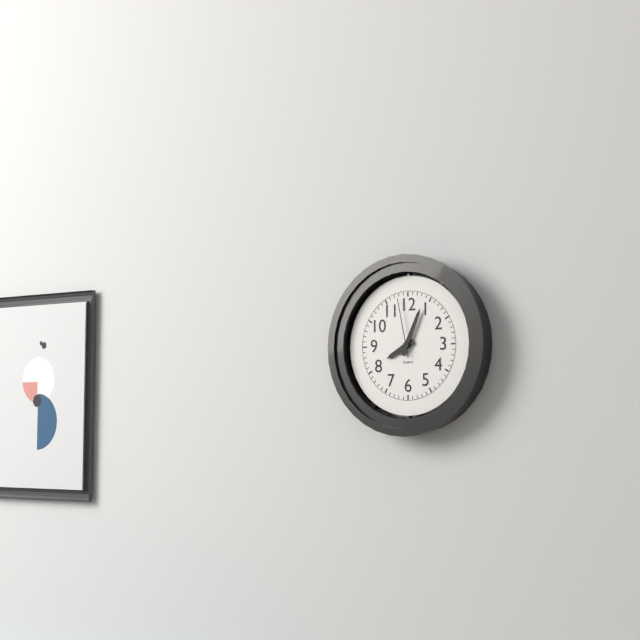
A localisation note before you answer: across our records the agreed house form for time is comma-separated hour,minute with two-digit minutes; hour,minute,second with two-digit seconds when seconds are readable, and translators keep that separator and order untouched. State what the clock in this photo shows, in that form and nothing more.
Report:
8,04,58
